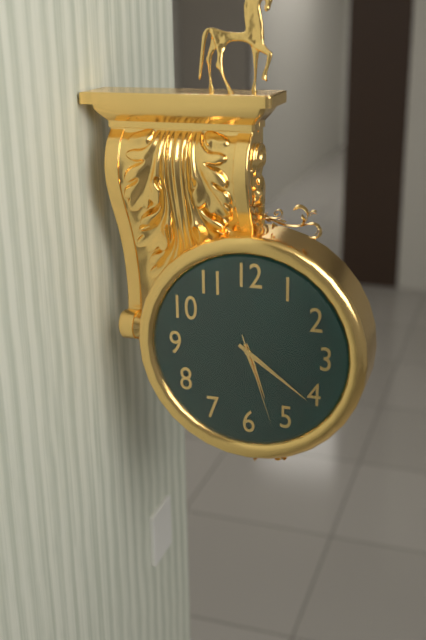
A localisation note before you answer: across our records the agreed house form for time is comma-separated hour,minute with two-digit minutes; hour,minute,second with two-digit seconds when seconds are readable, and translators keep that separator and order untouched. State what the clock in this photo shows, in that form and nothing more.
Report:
5,21,27
